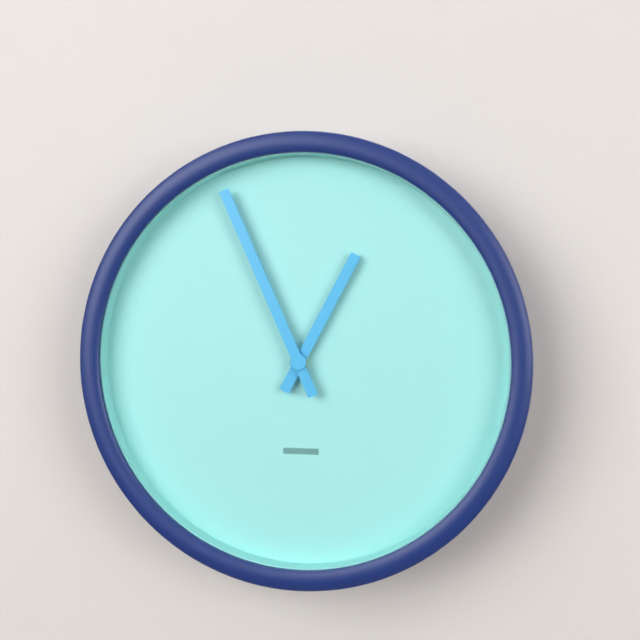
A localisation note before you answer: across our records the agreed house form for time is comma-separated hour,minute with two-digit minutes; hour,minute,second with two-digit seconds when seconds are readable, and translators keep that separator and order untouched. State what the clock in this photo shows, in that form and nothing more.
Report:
12,56
